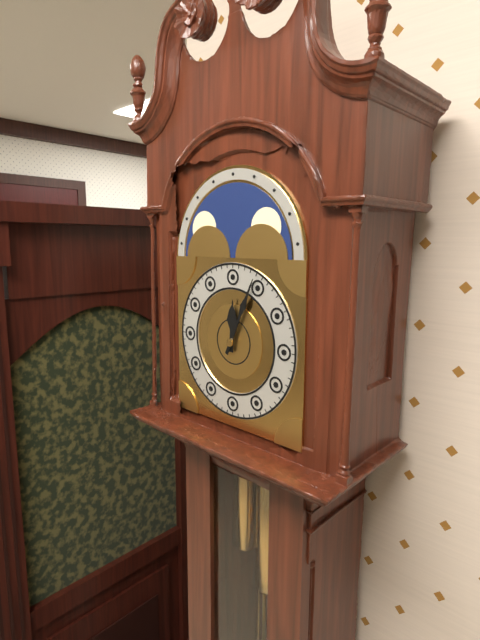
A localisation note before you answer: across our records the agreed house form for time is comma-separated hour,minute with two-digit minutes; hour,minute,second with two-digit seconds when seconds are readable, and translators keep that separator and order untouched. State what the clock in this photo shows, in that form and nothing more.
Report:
12,04
